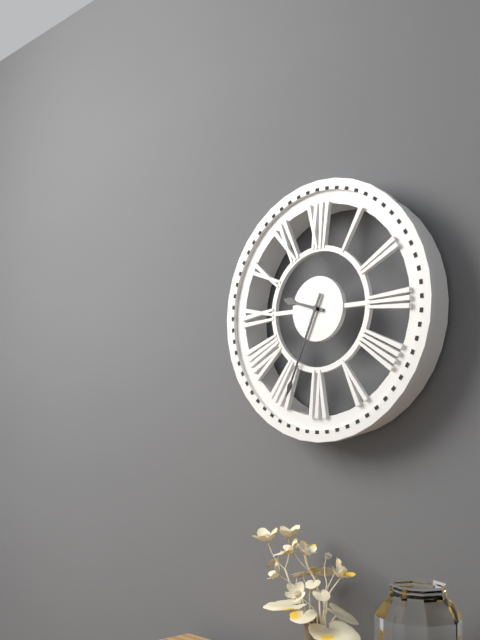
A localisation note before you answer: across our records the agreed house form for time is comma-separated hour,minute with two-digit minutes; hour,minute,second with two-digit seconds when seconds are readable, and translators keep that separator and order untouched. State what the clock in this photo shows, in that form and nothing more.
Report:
9,34
